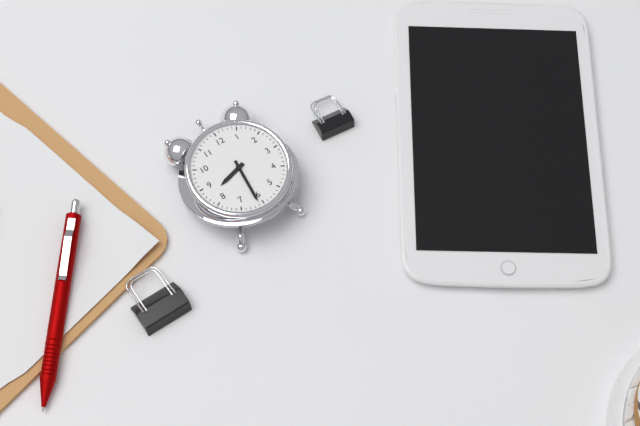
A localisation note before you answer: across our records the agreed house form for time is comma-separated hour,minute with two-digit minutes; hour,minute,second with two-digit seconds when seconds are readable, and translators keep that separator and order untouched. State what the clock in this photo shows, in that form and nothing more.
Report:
8,31
